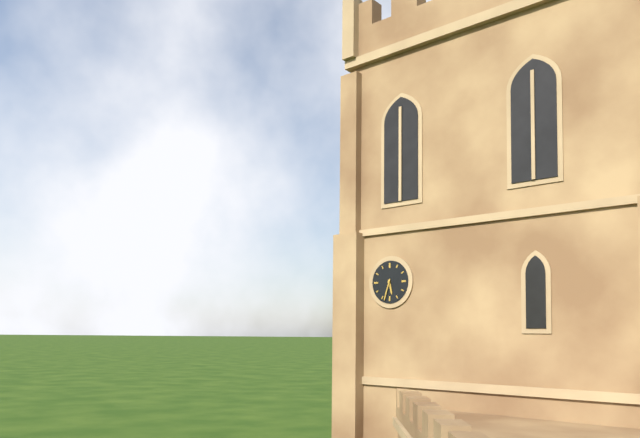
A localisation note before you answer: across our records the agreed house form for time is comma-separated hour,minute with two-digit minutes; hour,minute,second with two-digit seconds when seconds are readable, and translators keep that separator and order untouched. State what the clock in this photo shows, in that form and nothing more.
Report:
5,33
